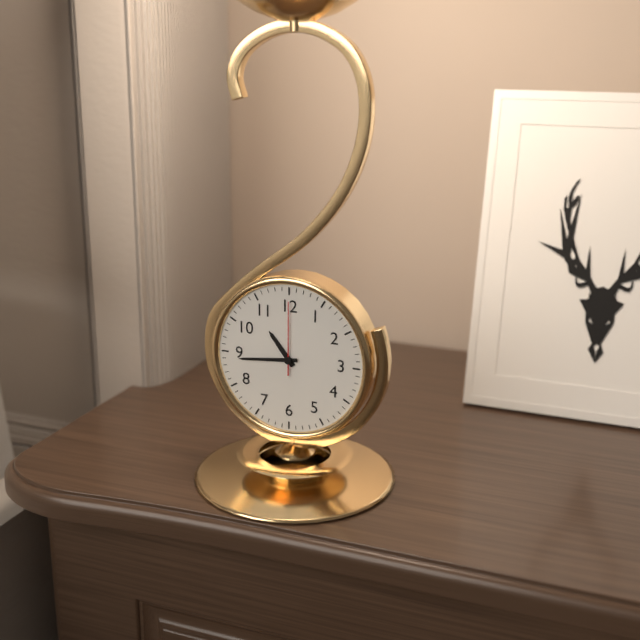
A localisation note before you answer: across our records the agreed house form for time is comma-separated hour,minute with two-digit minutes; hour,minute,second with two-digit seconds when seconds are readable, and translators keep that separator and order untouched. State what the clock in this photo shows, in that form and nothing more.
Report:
10,44,00
